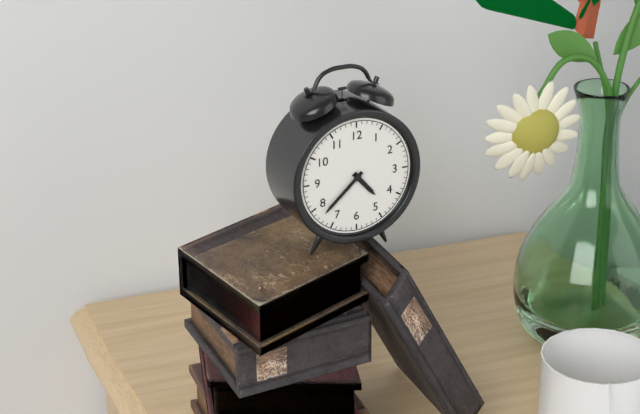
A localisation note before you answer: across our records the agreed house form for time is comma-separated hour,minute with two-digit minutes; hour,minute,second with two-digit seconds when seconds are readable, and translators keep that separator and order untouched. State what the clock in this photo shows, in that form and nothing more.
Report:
4,38
